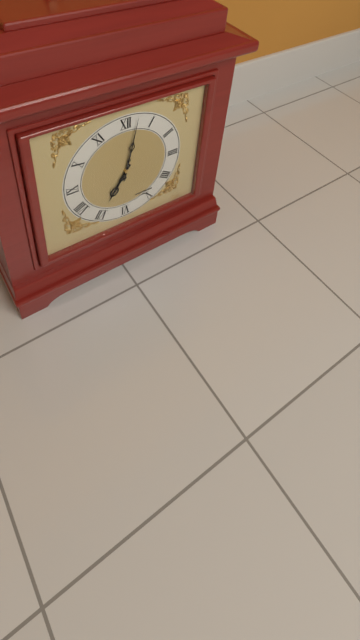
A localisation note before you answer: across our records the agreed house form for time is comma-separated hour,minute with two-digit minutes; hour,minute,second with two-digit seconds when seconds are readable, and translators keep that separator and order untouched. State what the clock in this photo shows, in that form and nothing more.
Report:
7,02
